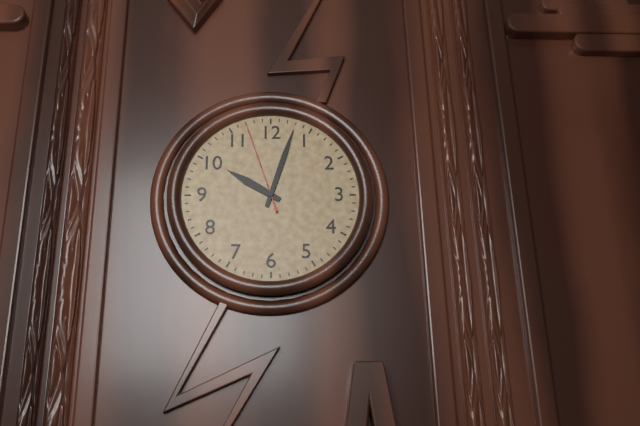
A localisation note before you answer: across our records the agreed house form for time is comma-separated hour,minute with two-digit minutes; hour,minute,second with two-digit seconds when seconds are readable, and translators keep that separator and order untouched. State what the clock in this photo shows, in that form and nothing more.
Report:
10,03,57
